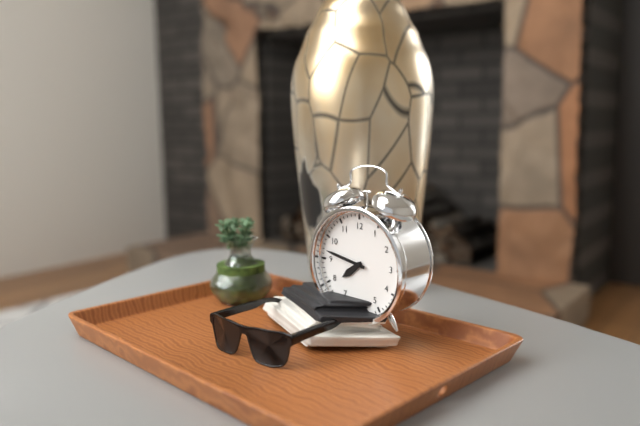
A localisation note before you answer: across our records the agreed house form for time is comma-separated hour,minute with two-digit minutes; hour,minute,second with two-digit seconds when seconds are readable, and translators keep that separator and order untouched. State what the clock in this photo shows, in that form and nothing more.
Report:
7,47
